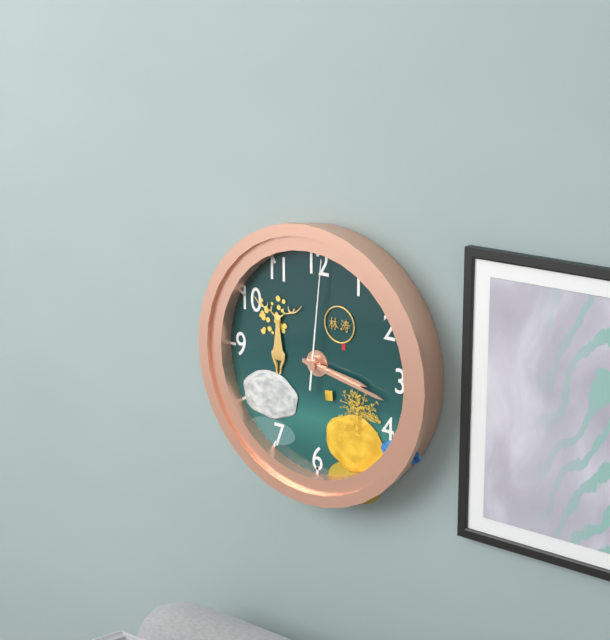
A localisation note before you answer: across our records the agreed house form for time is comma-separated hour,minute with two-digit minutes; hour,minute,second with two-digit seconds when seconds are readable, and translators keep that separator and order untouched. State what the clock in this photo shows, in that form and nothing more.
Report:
3,17,01
